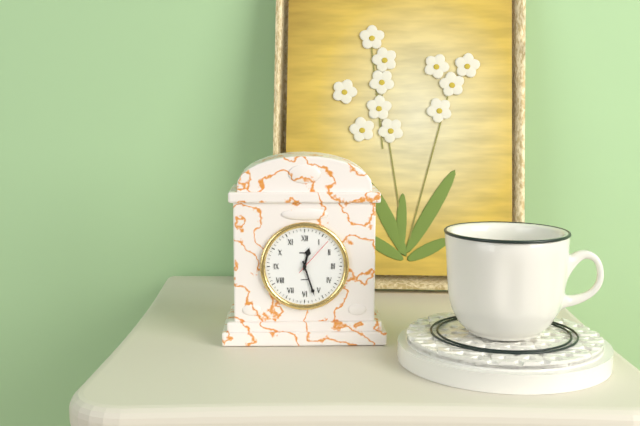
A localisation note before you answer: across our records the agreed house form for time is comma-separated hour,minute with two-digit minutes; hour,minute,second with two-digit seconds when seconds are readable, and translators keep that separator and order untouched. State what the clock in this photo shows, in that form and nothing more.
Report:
12,27
